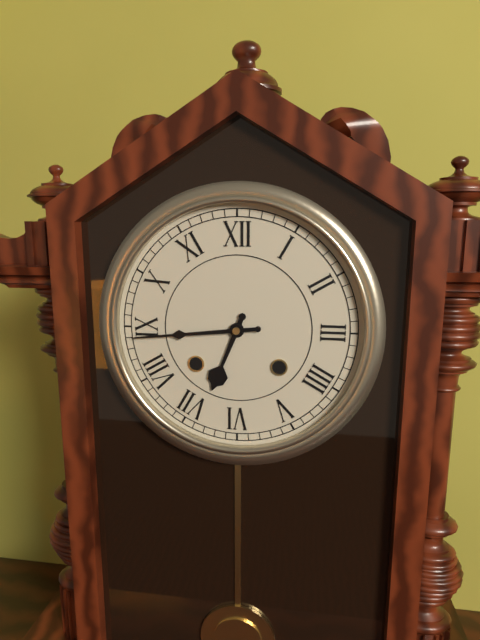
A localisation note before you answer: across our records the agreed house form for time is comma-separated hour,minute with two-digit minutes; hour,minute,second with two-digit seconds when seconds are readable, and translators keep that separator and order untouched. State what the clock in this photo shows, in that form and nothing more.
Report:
6,44
